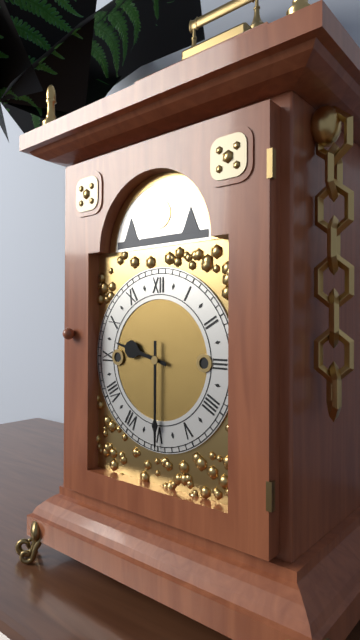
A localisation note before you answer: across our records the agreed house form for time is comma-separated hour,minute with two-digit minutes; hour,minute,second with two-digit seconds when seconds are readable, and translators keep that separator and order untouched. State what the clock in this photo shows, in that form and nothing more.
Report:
9,30
